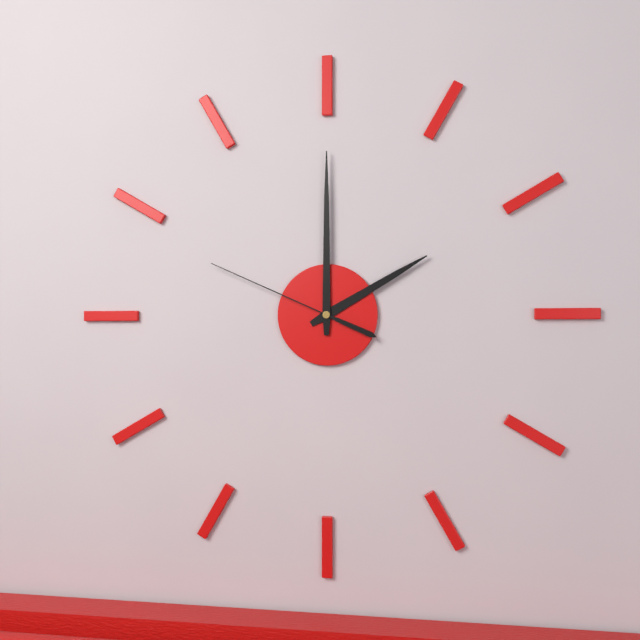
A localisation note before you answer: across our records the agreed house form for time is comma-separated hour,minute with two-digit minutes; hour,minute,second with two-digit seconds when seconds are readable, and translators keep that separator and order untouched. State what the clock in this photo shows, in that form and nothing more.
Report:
2,00,49
